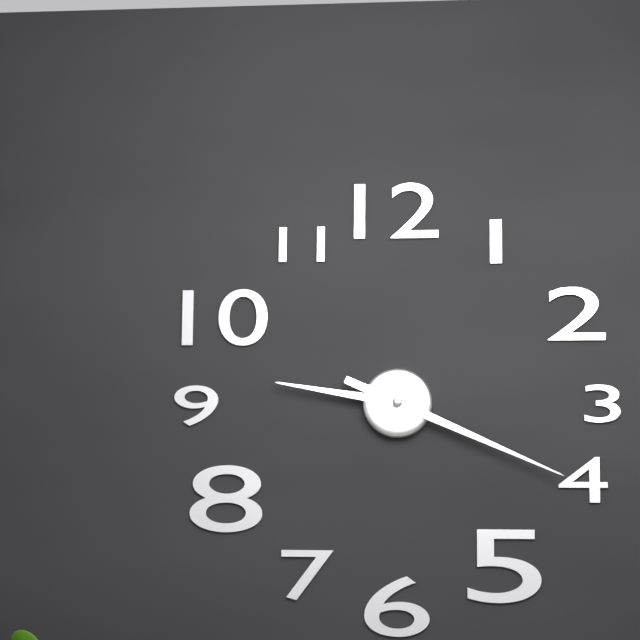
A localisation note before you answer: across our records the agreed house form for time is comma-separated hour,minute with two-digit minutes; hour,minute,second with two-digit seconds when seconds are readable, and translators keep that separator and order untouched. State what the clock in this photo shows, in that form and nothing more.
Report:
9,19
